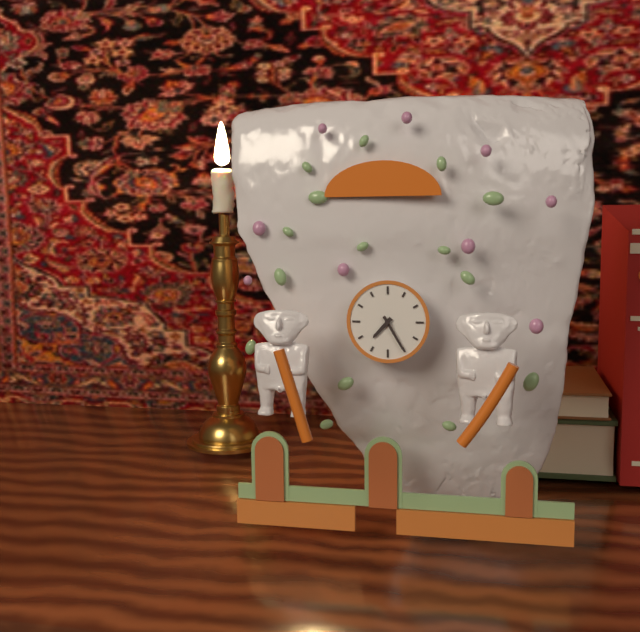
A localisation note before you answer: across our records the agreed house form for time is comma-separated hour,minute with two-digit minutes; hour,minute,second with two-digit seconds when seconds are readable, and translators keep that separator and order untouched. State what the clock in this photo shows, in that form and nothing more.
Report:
7,25
